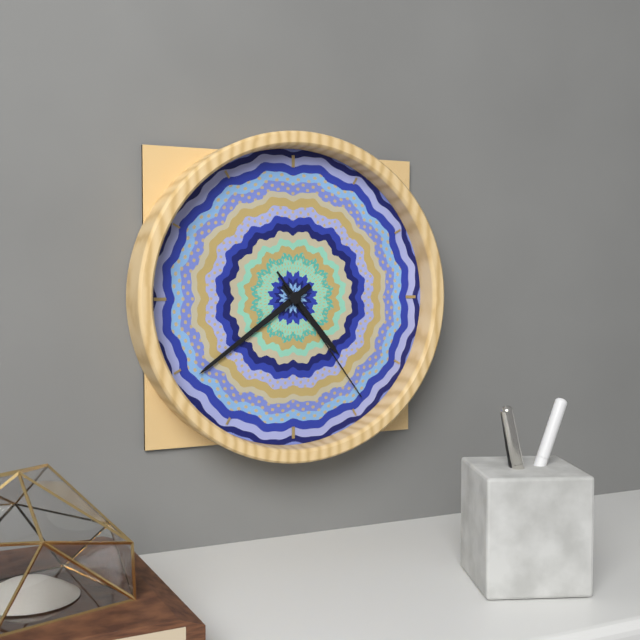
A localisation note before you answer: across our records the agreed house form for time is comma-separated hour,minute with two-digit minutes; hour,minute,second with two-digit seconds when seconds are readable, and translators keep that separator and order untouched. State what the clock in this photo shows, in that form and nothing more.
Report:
4,39,24
